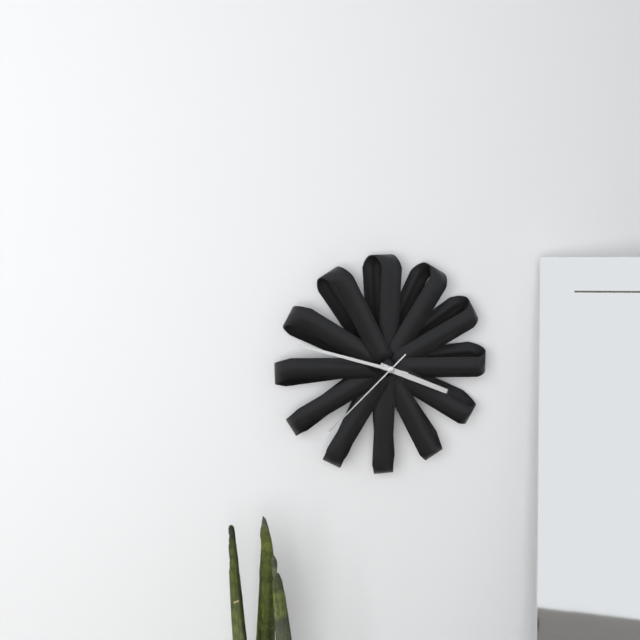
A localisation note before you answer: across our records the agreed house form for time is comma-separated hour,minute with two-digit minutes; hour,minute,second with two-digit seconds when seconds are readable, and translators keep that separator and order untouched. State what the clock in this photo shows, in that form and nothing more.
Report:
3,48,38
